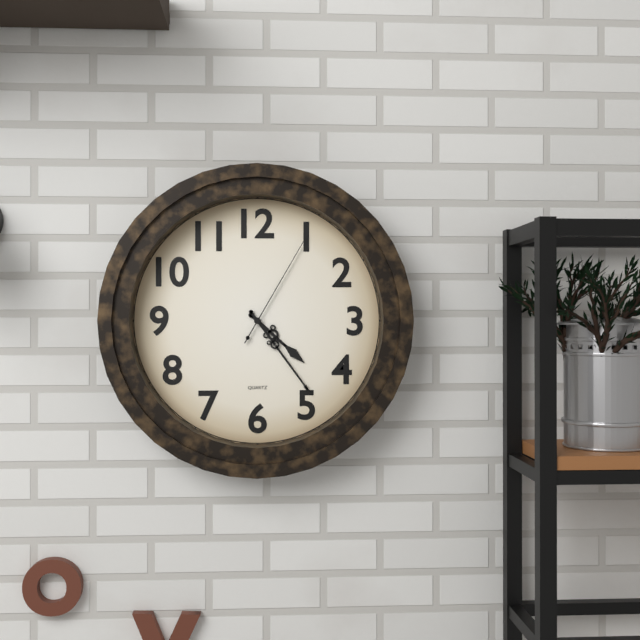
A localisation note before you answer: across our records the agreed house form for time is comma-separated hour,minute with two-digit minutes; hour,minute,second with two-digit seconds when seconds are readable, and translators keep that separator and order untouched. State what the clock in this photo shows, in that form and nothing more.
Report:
4,24,05
